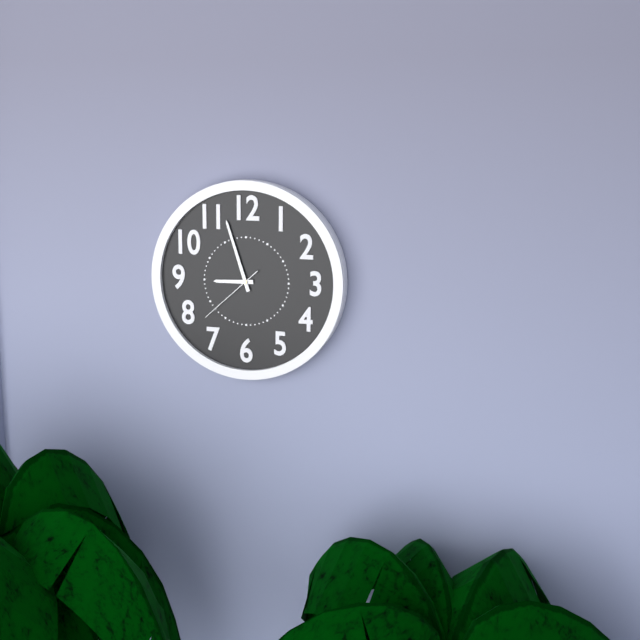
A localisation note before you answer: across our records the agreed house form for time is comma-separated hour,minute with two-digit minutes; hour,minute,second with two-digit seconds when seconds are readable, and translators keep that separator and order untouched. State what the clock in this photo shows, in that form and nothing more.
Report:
8,57,38
